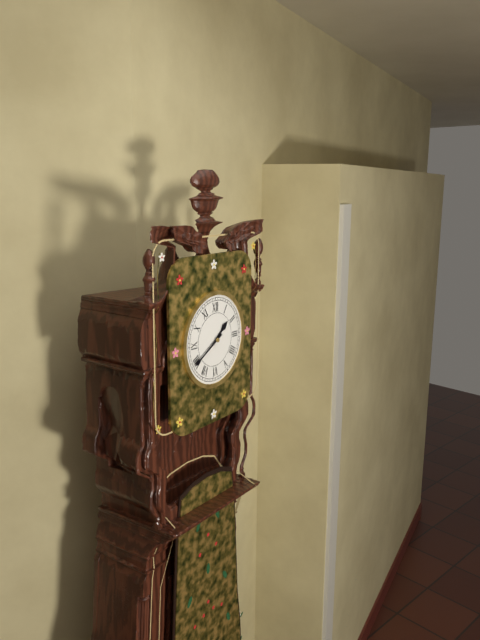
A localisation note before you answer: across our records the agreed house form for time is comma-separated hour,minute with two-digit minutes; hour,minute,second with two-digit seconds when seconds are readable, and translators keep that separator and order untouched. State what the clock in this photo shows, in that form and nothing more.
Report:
1,40
